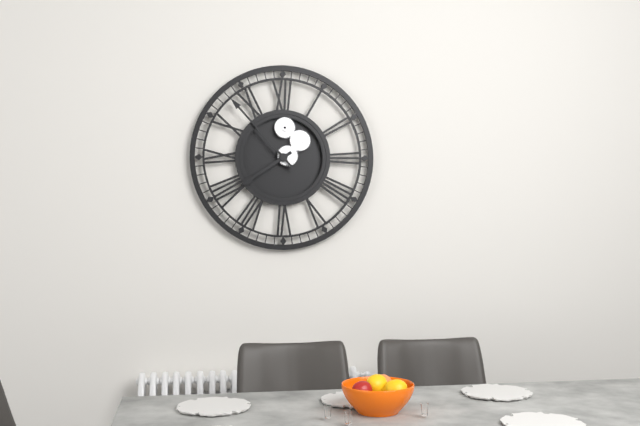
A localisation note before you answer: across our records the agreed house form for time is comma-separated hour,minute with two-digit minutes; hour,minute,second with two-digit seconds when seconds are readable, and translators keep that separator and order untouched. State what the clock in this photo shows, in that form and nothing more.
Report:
7,53
